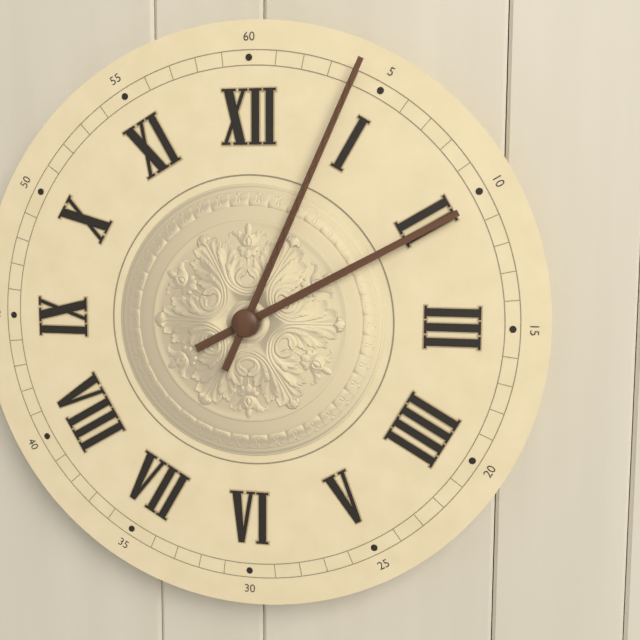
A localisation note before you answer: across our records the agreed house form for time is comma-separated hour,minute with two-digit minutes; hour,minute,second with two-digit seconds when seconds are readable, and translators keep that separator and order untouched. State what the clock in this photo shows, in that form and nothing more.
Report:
2,04
